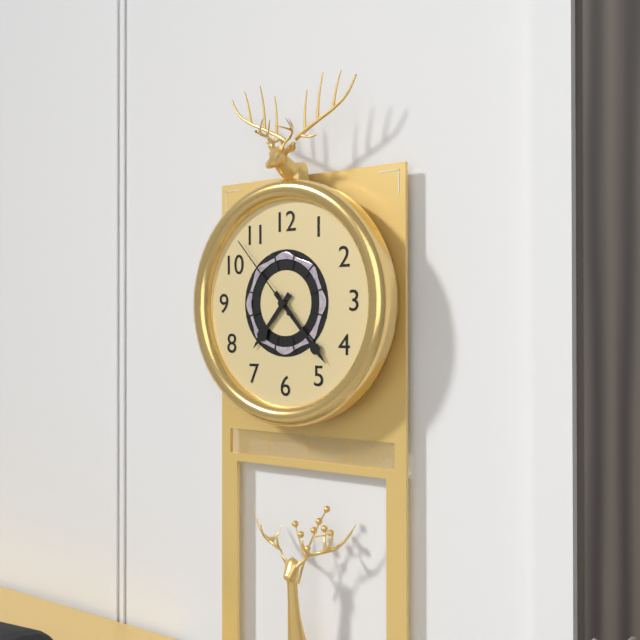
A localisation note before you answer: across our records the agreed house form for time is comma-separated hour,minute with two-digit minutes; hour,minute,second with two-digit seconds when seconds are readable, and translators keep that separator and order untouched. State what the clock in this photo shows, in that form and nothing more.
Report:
7,23,53
